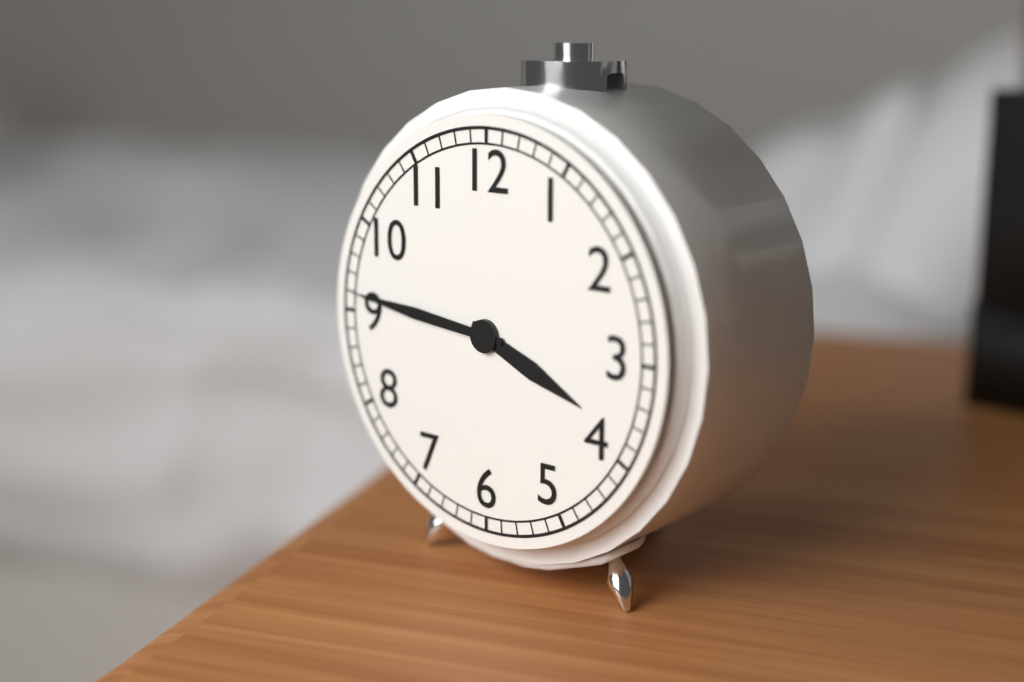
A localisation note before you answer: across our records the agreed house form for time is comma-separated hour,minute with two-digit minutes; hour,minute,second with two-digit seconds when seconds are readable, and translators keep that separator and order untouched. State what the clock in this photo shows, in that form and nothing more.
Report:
3,46
